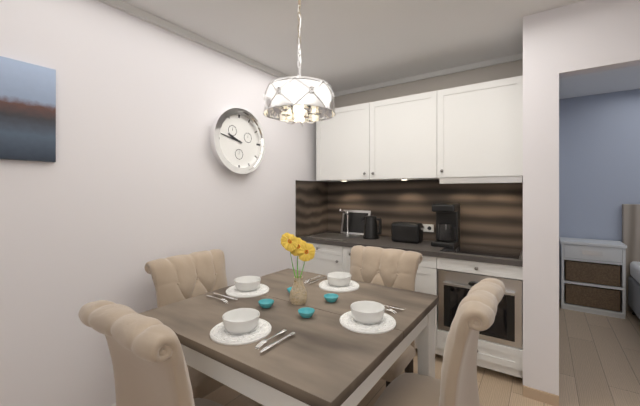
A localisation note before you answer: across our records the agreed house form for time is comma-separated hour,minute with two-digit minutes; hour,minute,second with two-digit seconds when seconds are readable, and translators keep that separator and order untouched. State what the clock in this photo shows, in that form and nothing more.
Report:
9,47
